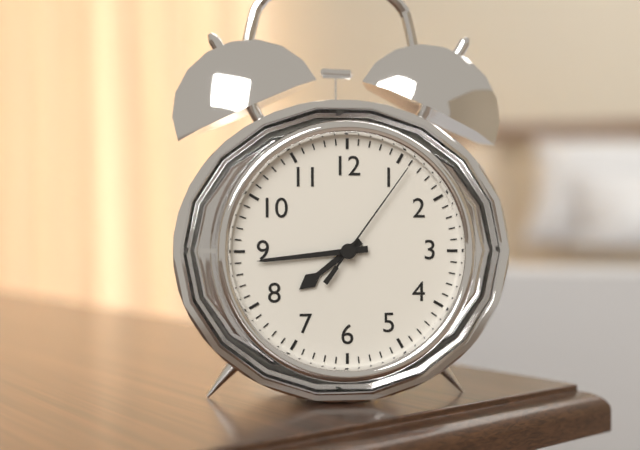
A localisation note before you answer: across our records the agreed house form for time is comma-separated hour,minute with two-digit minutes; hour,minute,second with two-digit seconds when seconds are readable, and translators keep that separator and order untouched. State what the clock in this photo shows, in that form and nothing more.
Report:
7,44,06
